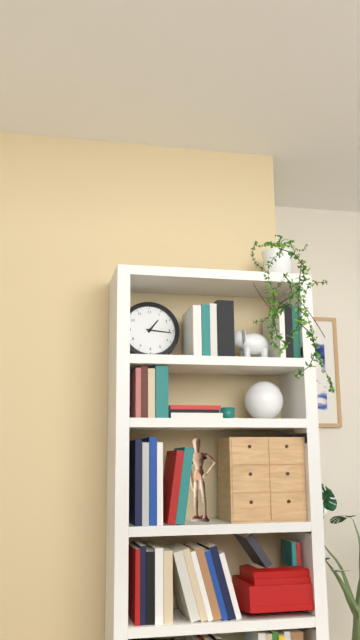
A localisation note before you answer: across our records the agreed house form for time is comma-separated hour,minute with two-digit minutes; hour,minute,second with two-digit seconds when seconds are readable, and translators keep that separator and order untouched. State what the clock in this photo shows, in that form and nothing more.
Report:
1,16
